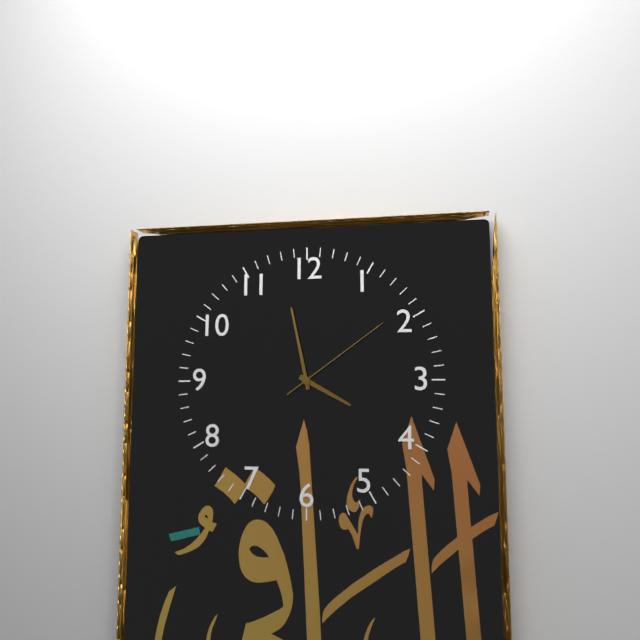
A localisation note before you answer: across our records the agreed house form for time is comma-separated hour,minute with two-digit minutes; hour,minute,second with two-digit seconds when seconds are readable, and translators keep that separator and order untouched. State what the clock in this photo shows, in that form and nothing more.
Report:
3,58,09
